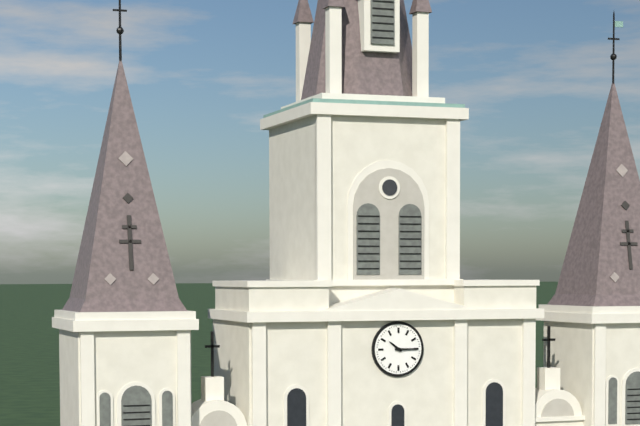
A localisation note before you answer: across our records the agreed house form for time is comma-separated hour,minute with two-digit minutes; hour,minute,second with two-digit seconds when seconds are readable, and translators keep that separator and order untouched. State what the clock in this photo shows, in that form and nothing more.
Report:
10,15
